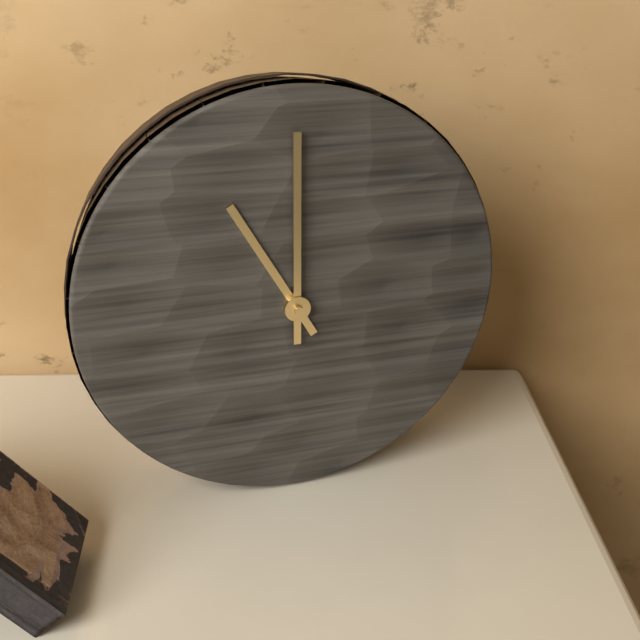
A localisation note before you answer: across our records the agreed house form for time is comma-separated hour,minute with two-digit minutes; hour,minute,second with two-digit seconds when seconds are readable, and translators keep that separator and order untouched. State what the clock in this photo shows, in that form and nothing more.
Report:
11,00
